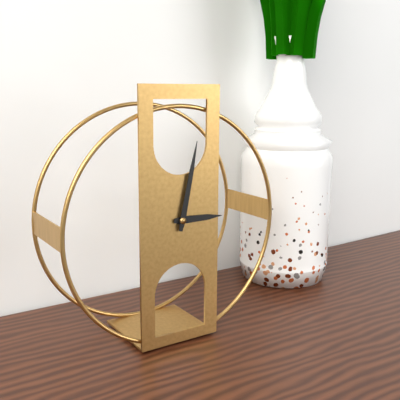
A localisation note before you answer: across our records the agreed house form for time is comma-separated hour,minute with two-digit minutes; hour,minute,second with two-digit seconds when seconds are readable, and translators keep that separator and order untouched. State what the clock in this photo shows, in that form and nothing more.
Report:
3,02
